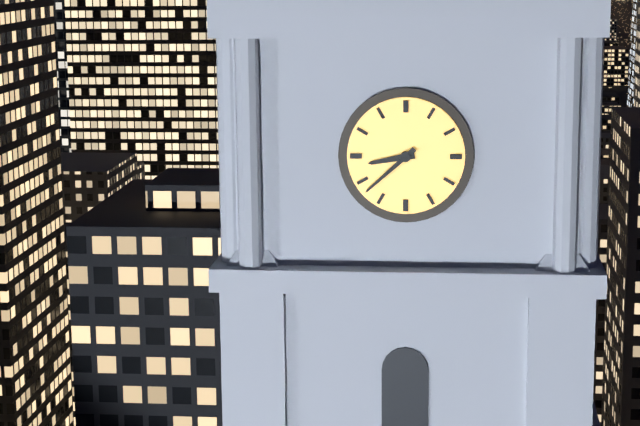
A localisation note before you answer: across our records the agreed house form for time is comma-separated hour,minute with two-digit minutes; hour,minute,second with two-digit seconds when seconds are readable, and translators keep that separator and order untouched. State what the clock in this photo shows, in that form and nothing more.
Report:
8,38
